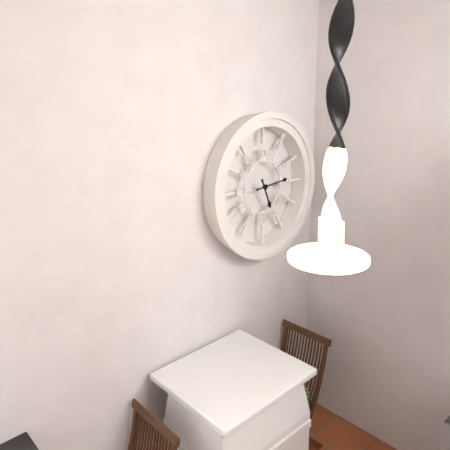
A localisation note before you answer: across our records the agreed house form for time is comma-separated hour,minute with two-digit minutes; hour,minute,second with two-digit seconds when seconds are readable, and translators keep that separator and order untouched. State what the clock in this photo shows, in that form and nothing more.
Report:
5,14
